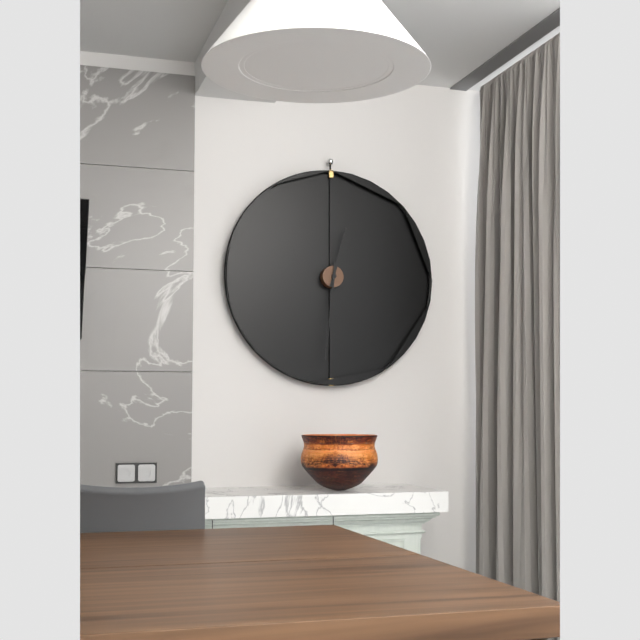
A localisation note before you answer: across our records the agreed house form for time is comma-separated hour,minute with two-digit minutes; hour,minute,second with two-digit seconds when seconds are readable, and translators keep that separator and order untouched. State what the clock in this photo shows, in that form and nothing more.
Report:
12,31
